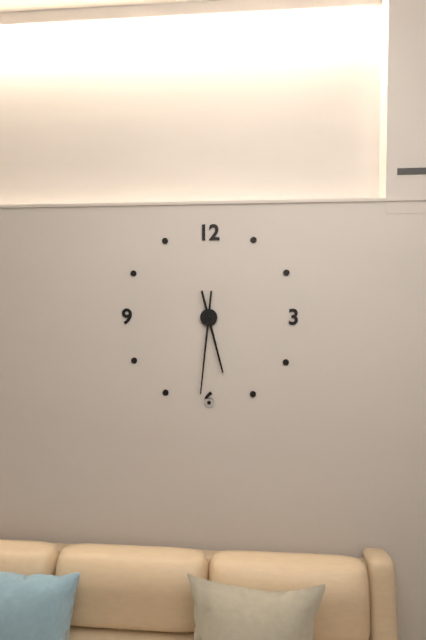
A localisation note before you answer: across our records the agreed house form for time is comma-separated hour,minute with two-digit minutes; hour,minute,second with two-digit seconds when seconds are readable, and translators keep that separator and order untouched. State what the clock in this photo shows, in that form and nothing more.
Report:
5,31
